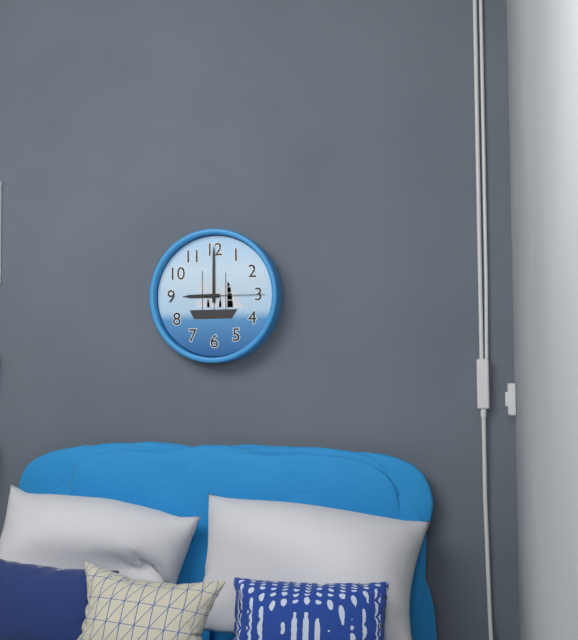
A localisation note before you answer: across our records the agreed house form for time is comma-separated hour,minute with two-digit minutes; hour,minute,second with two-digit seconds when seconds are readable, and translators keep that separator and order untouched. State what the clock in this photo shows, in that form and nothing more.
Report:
9,00,15
